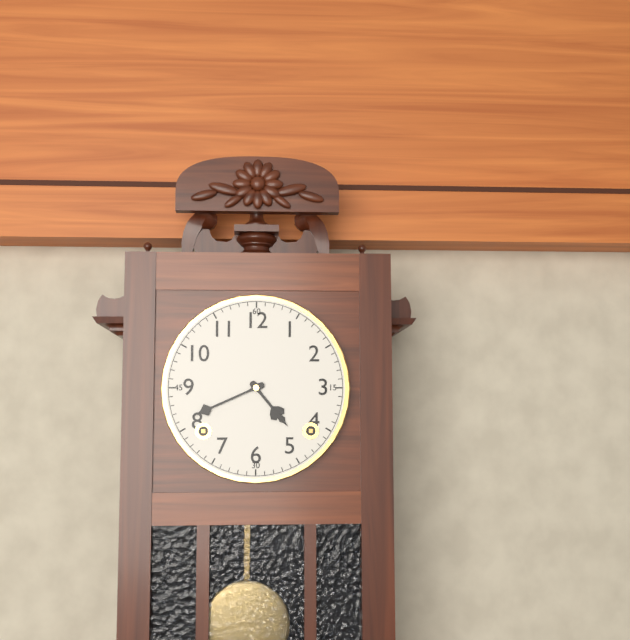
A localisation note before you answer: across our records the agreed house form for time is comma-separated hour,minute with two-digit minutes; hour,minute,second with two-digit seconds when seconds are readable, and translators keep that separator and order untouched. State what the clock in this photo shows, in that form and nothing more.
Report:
4,41
